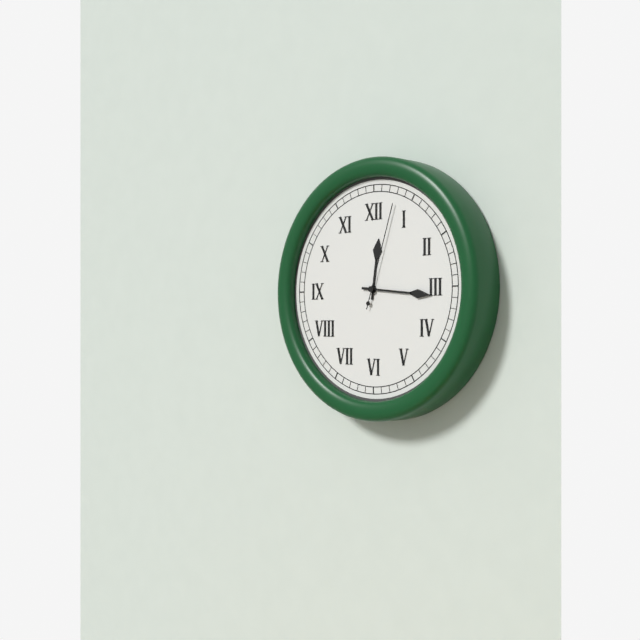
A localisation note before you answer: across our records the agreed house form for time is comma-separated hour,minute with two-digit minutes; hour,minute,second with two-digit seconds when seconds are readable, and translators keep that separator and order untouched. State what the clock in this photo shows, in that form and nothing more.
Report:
12,16,03
